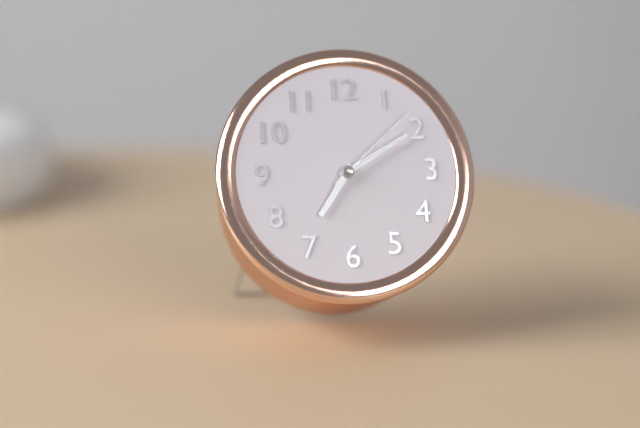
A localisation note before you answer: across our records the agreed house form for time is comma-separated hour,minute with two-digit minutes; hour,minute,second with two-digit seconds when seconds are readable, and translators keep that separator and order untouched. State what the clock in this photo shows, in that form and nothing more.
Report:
7,10,08
